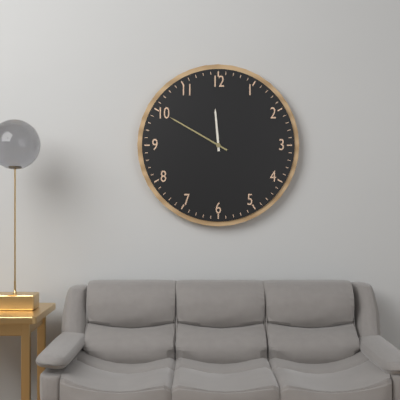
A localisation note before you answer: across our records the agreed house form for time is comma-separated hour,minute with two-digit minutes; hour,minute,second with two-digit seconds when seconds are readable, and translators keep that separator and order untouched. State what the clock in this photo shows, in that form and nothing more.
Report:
11,50
